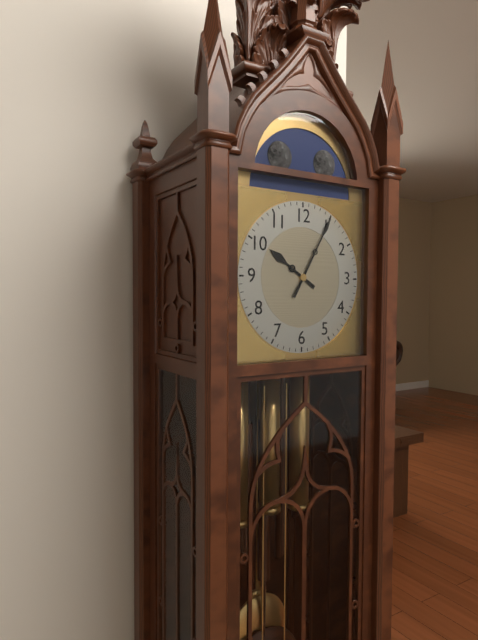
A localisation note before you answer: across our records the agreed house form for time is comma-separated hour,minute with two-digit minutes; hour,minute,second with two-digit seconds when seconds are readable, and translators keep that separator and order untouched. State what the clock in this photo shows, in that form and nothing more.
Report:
10,05
